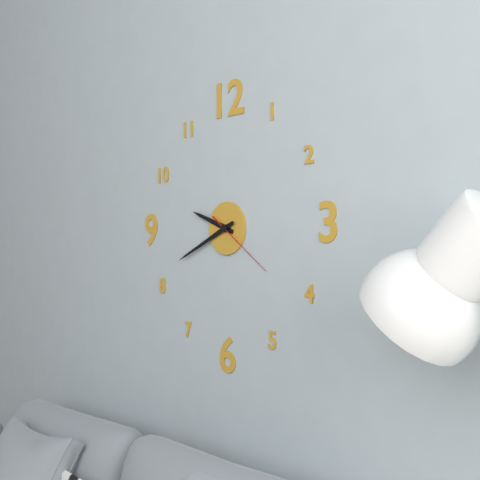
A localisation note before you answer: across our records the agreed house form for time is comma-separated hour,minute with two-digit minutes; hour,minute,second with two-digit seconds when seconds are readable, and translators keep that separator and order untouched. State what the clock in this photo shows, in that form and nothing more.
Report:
9,41,21
